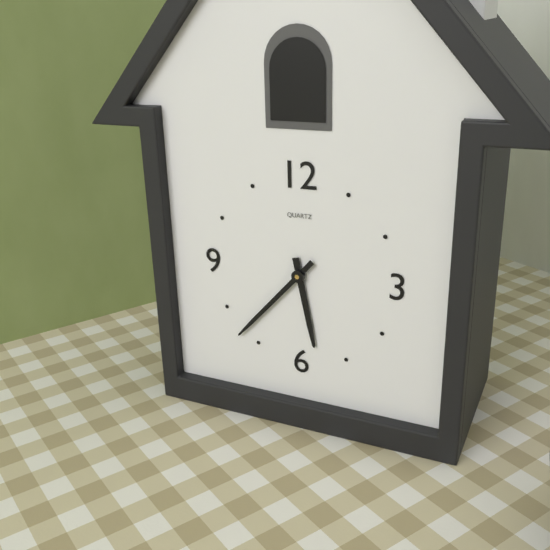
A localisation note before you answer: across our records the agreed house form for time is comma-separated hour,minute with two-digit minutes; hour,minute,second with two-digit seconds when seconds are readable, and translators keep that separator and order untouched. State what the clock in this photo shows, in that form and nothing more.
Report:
5,37
